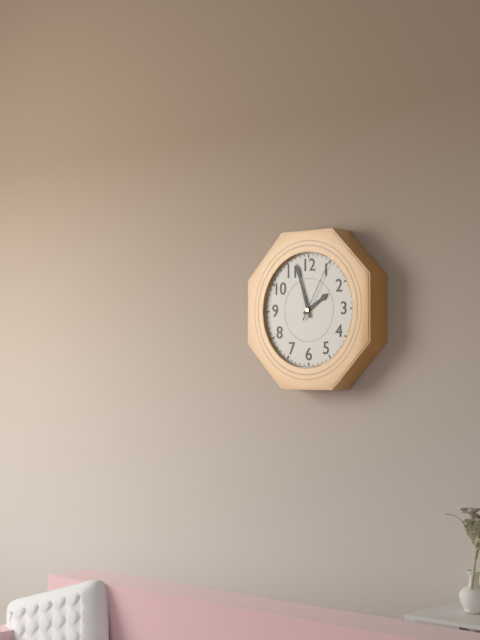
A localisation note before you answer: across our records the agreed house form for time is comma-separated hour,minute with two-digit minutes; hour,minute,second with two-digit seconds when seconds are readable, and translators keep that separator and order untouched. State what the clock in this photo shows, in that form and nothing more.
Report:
1,57,05
